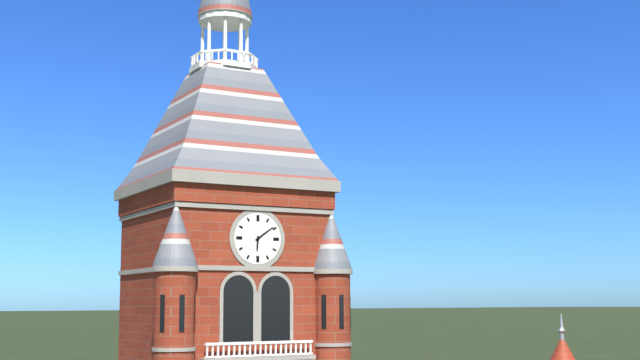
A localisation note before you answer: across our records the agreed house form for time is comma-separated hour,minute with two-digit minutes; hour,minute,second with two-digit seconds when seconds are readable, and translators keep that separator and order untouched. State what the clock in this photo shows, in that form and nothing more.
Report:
6,09
